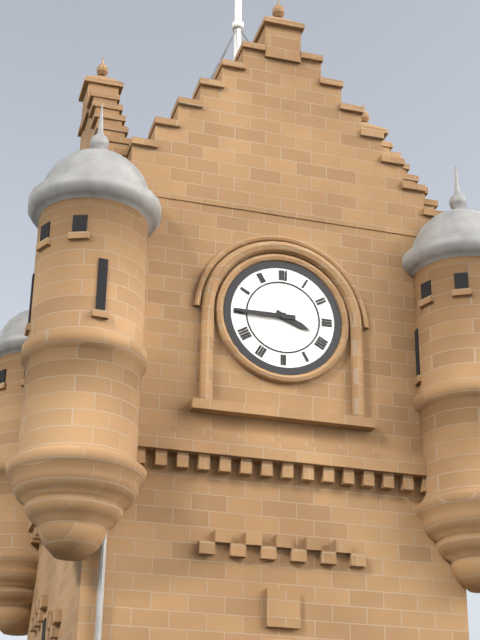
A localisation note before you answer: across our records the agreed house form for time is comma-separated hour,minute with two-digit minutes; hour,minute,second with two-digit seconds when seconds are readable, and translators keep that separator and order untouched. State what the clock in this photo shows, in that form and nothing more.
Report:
3,45
